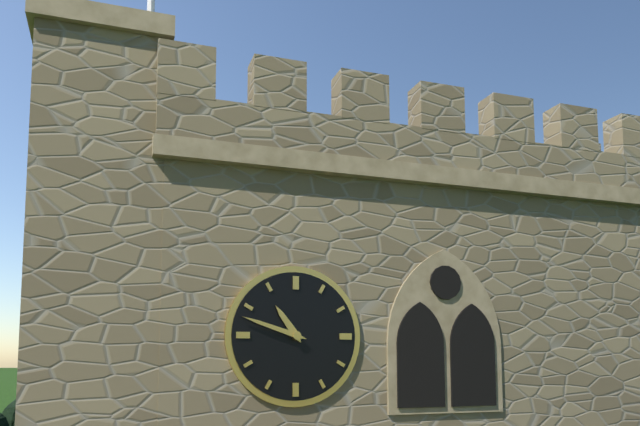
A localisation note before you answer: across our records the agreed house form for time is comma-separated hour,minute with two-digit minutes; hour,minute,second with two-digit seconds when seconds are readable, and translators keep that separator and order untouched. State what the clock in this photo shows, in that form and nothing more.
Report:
10,48
